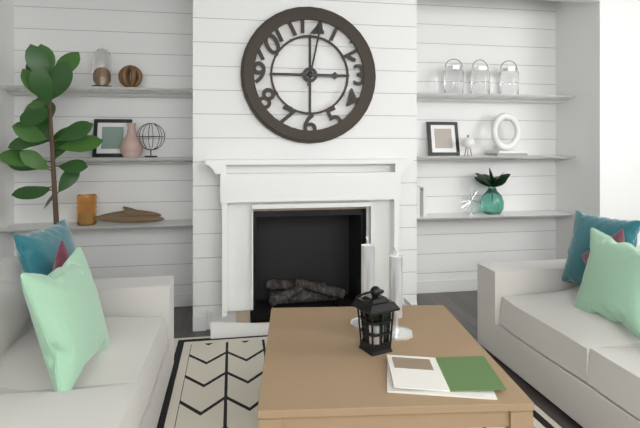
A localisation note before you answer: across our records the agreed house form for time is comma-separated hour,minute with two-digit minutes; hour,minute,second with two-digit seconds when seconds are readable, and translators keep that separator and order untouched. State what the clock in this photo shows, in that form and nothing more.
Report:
3,02
